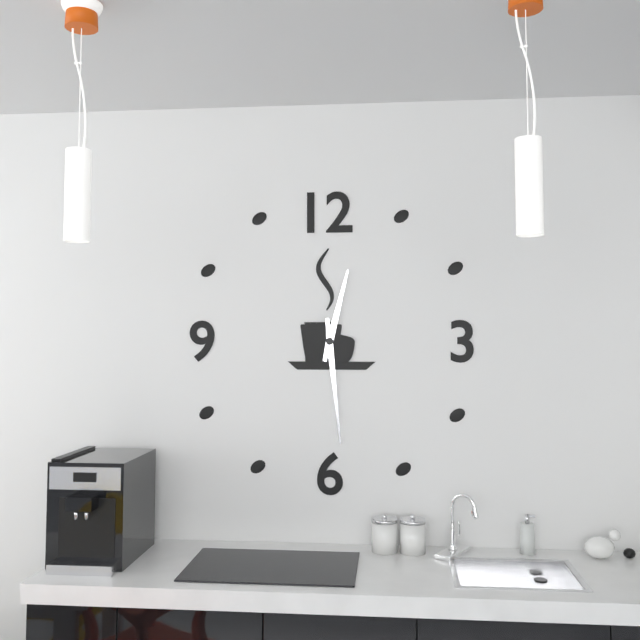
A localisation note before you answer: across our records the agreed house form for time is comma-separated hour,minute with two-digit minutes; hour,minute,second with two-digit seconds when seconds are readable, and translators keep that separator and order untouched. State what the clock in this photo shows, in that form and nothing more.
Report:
12,29
